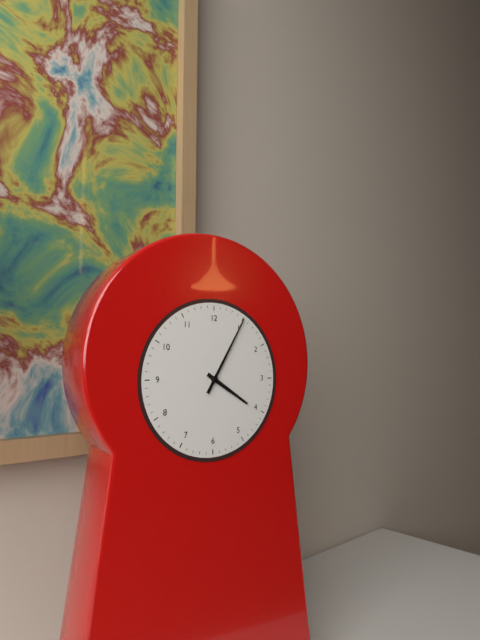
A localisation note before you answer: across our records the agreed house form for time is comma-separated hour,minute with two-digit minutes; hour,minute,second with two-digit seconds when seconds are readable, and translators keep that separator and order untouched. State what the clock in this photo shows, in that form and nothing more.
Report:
4,05
